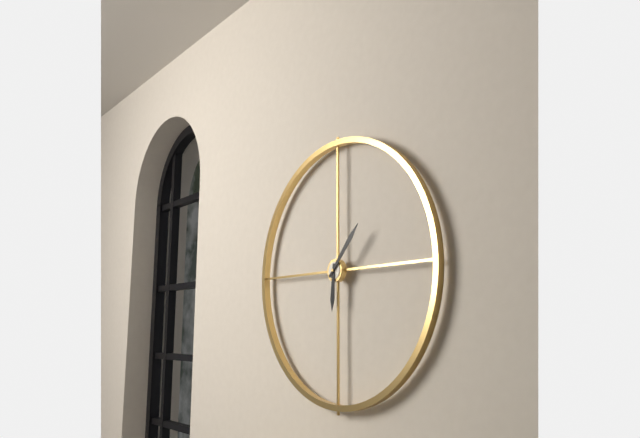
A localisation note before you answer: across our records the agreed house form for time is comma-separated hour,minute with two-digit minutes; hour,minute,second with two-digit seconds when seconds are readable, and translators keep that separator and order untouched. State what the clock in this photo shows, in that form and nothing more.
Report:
6,07
